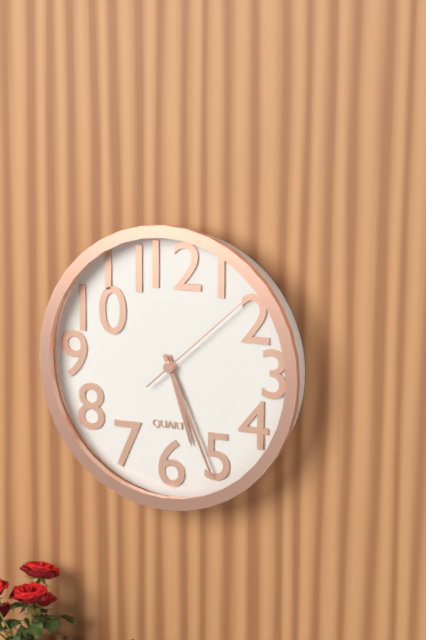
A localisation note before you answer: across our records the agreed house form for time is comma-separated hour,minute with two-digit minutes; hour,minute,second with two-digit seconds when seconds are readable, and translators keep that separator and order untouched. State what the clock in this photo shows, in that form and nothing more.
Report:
5,26,08
